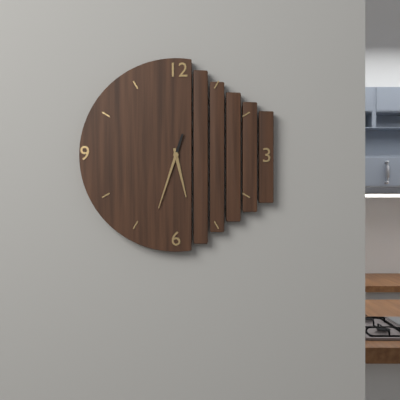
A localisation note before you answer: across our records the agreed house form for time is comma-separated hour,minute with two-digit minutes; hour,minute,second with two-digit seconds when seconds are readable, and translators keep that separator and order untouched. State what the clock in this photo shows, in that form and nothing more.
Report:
5,33
